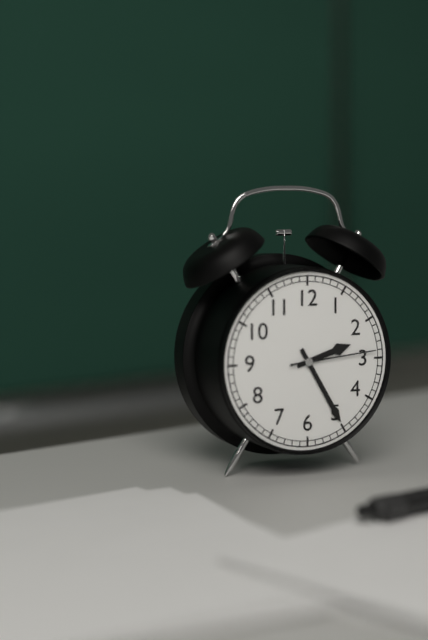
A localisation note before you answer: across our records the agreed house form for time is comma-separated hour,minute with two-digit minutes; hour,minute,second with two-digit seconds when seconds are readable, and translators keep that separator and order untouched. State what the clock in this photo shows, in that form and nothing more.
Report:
2,25,14
